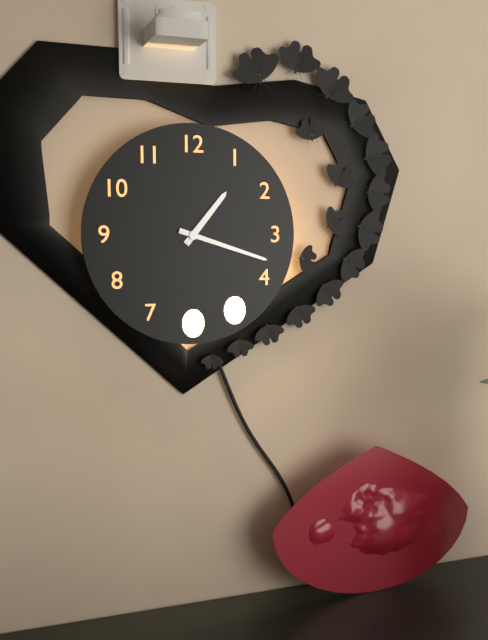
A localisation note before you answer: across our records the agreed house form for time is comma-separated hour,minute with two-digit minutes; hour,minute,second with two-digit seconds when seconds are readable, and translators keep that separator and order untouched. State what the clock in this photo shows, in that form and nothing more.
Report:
1,18
